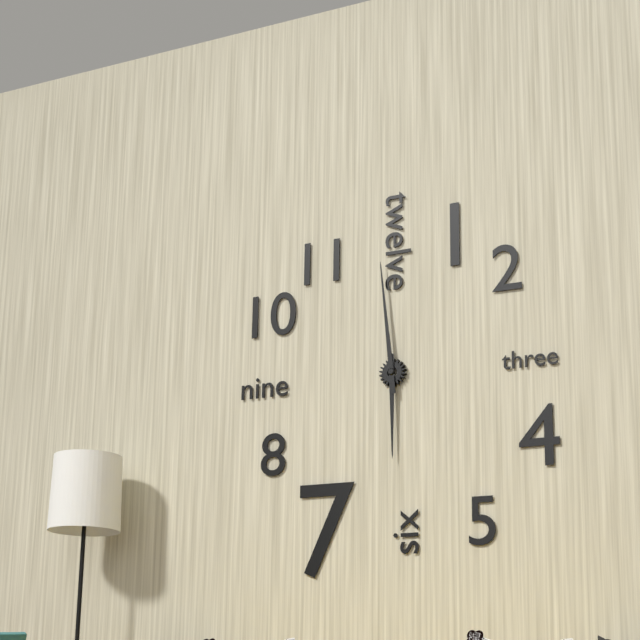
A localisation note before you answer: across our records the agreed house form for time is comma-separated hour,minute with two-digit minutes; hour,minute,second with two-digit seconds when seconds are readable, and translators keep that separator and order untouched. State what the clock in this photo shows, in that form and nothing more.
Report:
5,59
